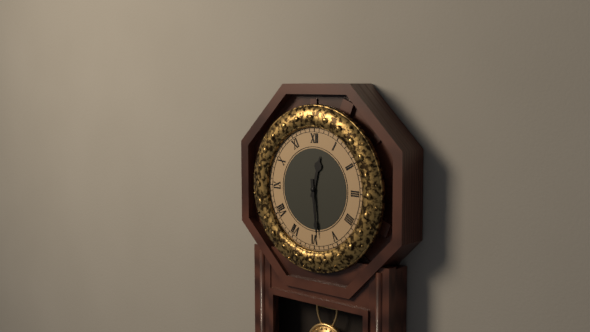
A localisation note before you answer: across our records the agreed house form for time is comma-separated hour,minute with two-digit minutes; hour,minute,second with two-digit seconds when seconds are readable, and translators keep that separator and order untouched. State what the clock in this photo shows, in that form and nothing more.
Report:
12,29
